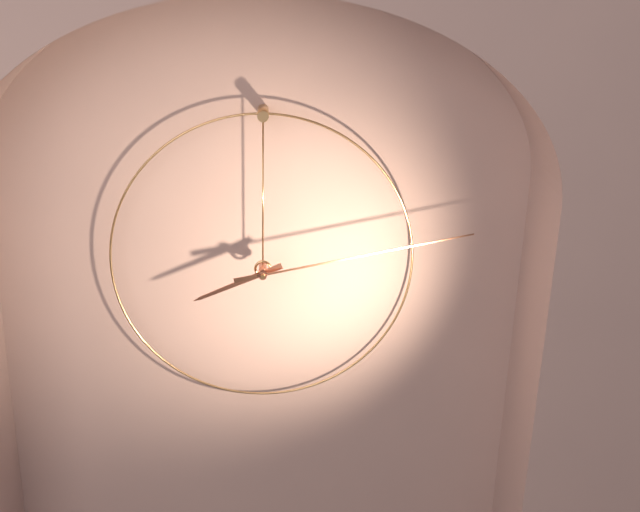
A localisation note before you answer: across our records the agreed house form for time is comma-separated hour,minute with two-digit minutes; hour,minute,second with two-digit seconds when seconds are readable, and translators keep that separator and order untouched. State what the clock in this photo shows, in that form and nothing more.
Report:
8,13
